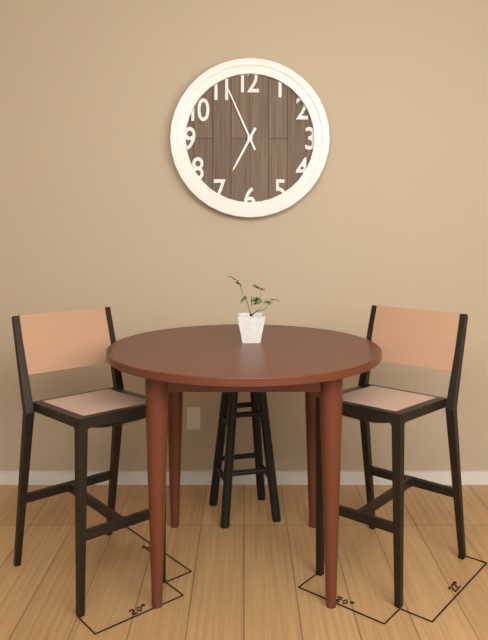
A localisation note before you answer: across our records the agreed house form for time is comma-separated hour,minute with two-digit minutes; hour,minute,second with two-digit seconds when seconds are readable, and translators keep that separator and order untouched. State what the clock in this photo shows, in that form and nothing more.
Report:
6,56
